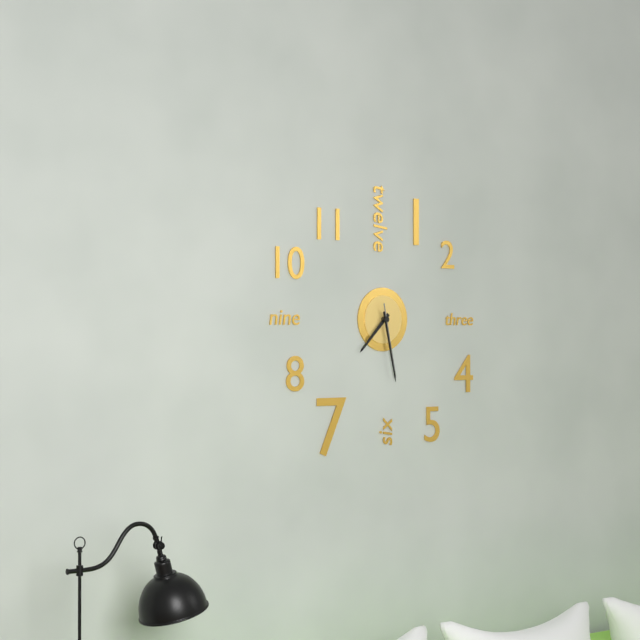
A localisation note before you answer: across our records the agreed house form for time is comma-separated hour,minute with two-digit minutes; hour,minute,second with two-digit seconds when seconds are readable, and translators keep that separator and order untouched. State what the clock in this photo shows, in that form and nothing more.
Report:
7,28,28
